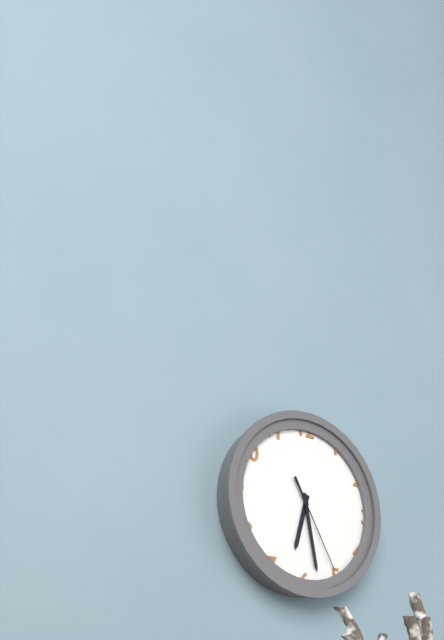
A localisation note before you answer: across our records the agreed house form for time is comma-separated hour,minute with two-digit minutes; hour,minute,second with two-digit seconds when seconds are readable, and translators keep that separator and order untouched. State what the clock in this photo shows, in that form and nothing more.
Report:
6,28,25
